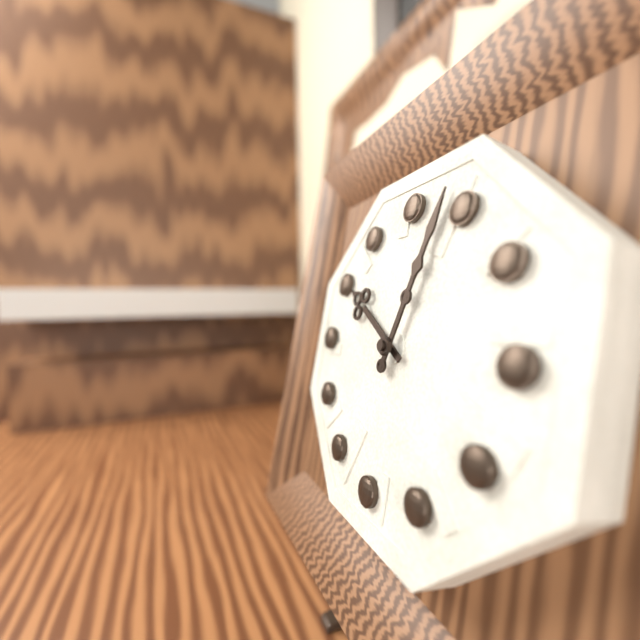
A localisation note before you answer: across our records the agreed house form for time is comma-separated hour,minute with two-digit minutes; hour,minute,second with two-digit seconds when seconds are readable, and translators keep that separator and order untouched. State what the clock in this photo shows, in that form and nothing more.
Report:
10,03
